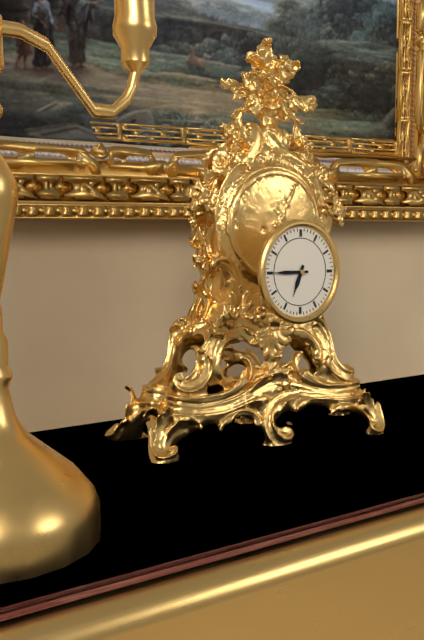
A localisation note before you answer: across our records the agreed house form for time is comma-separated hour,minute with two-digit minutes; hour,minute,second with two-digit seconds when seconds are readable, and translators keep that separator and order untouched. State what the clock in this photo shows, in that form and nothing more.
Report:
6,45
